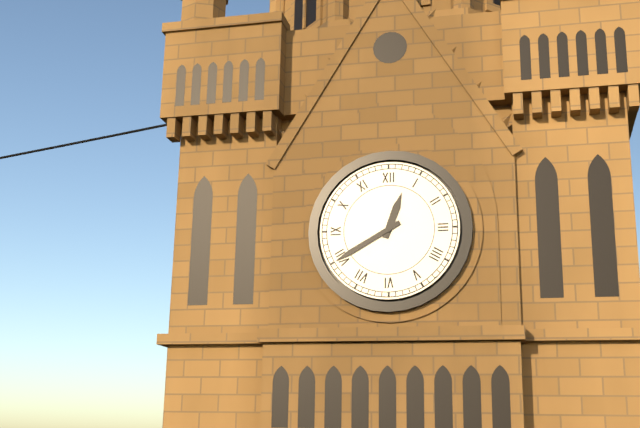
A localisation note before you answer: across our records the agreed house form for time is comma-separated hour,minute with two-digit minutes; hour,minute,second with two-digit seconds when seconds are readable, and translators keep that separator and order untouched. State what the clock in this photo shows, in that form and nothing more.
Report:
12,40
